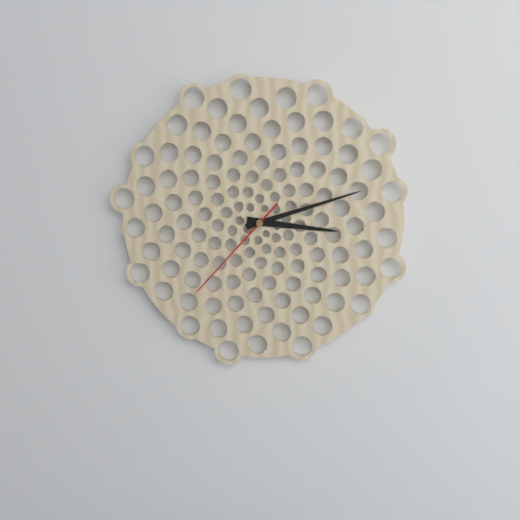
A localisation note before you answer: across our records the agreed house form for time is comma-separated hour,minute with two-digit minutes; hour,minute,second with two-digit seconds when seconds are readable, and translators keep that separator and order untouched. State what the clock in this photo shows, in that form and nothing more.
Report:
3,12,37
